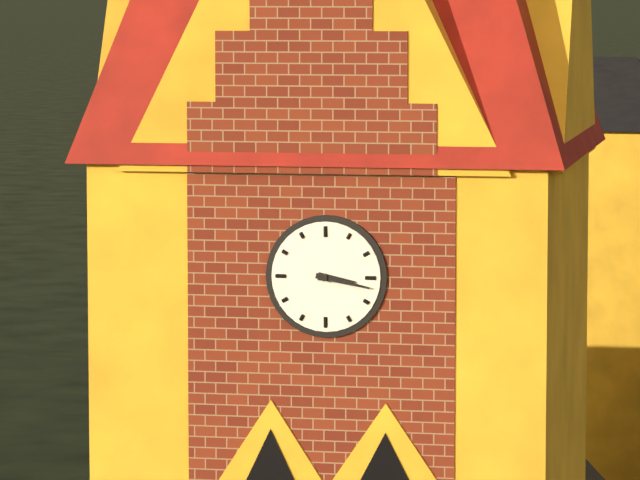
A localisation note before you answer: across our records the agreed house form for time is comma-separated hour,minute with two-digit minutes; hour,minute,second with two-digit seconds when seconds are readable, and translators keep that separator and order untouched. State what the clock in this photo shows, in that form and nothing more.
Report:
3,17
